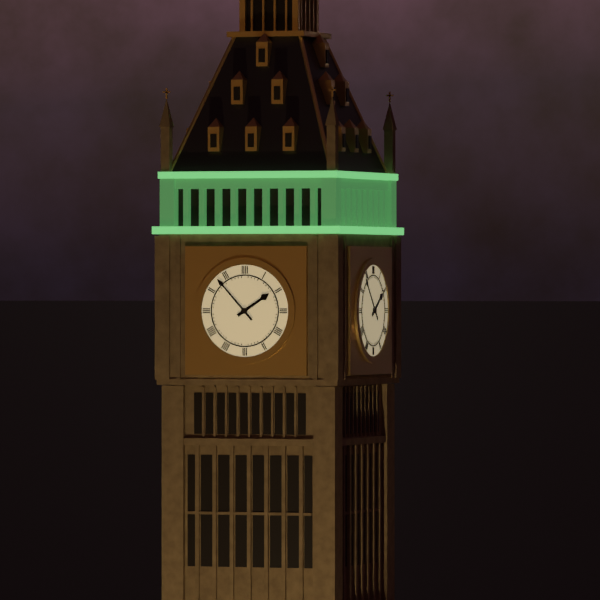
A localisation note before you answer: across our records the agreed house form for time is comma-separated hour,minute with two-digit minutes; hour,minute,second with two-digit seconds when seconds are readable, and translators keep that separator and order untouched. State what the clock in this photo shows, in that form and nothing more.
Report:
1,53
